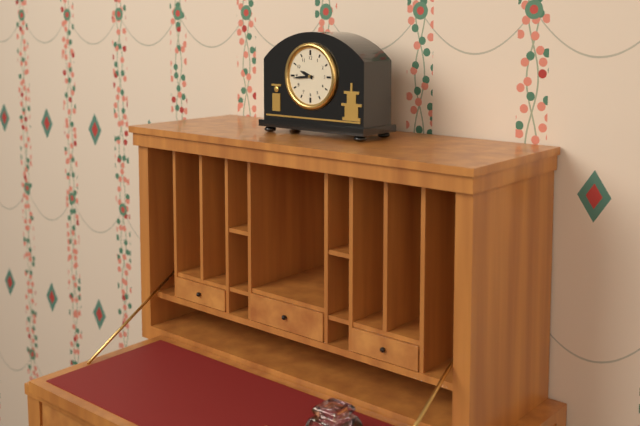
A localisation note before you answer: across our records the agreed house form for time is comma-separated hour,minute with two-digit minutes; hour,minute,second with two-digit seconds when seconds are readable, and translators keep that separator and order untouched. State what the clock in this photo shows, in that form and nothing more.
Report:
9,44
